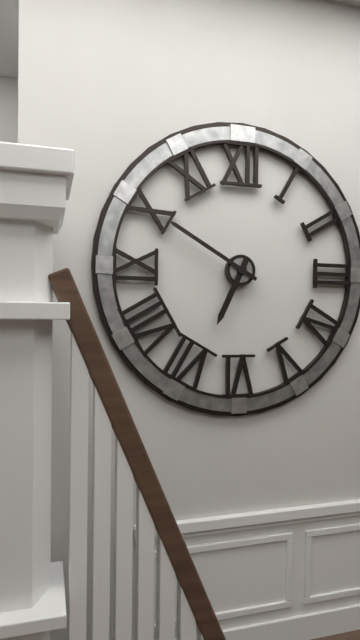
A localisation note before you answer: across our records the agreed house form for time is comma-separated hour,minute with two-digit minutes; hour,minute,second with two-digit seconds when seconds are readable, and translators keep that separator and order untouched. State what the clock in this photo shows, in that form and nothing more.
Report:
6,50
